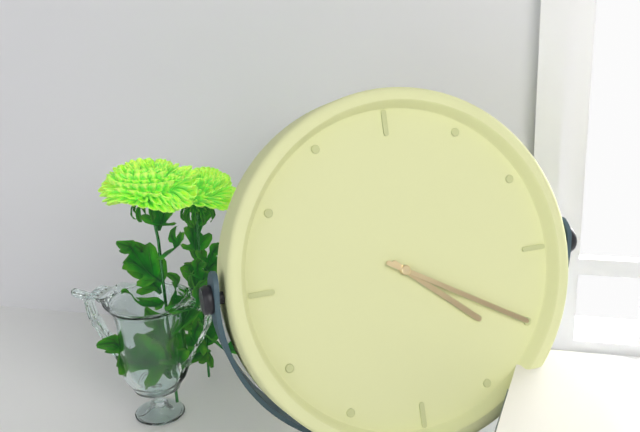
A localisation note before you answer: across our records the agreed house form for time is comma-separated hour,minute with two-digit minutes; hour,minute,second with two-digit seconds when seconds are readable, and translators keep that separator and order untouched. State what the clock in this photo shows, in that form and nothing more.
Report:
4,20
